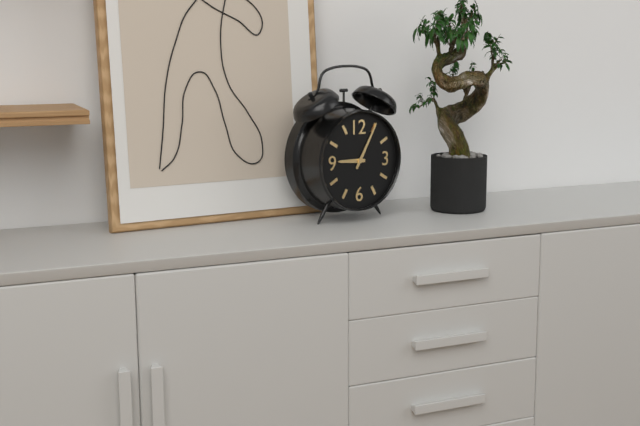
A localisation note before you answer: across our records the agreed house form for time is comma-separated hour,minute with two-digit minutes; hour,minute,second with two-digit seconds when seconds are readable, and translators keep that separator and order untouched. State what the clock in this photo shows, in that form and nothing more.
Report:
9,05
